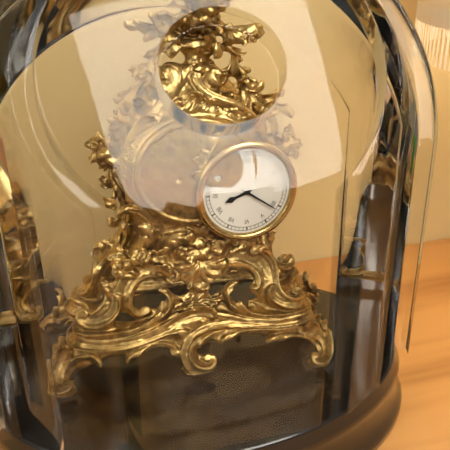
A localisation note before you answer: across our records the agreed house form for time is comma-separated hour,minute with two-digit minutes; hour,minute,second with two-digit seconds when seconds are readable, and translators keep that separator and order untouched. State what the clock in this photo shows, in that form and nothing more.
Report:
8,21
